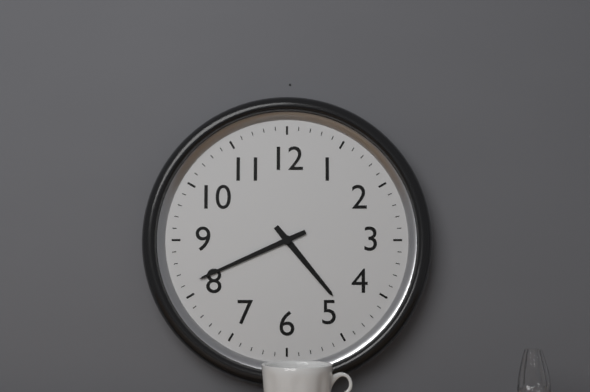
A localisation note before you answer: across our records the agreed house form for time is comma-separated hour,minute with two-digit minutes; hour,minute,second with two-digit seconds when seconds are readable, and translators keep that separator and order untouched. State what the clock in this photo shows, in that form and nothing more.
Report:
4,41
